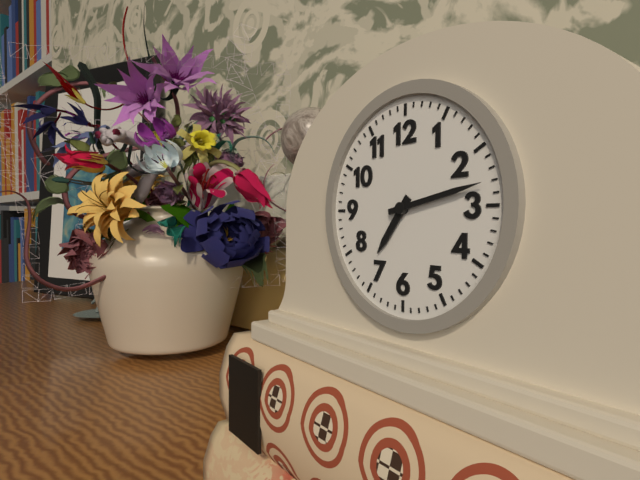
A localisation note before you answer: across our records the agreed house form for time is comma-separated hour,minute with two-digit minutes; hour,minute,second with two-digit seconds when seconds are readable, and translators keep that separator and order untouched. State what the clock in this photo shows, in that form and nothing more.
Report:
7,13
